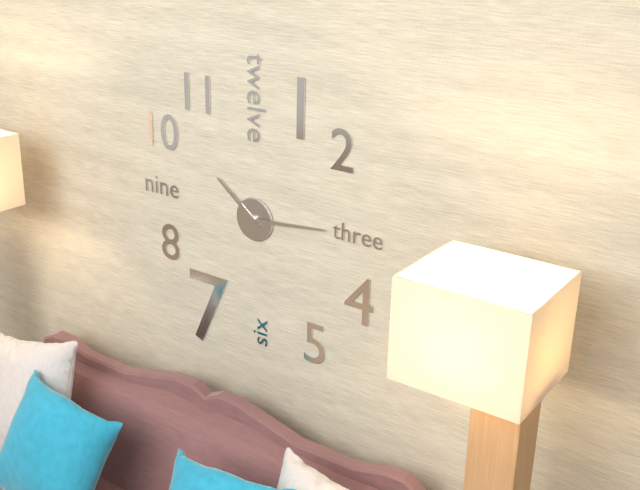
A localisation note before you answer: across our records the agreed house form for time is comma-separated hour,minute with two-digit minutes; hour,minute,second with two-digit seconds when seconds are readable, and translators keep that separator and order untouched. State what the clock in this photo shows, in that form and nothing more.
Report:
10,14
